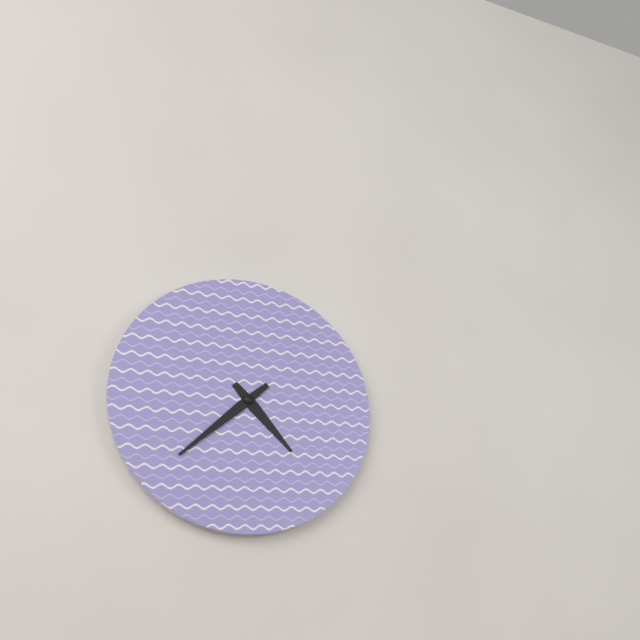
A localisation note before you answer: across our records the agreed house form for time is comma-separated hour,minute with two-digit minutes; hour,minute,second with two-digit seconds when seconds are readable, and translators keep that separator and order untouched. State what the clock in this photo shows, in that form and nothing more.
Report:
4,38
